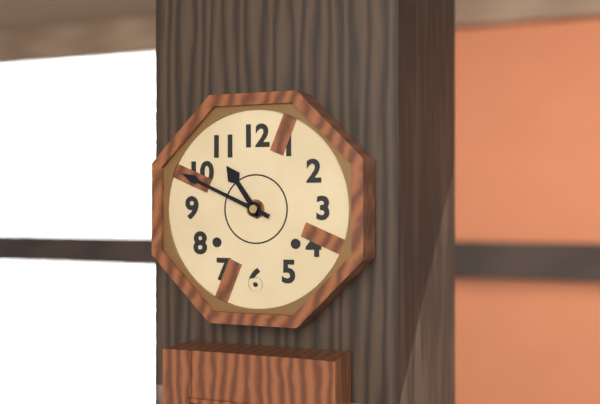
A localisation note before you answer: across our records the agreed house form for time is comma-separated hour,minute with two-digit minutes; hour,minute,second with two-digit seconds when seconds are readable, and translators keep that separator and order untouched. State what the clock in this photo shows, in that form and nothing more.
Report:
10,49
